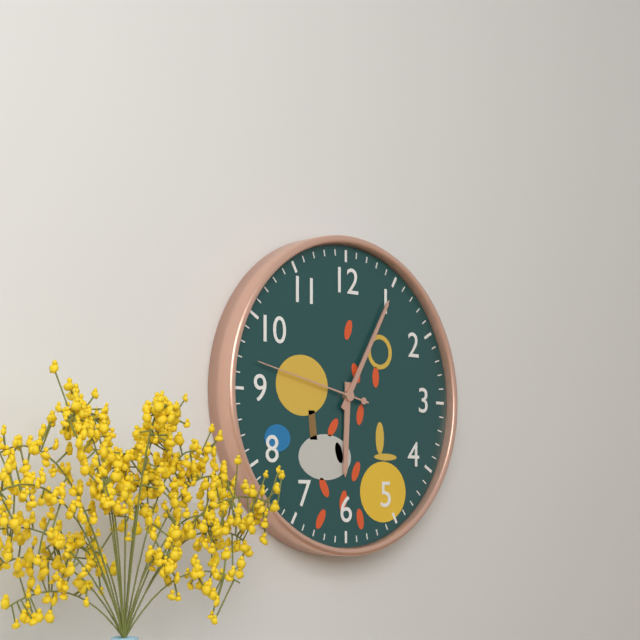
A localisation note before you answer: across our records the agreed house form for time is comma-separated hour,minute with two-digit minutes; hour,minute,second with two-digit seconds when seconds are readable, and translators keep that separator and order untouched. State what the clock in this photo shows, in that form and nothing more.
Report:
6,05,47
